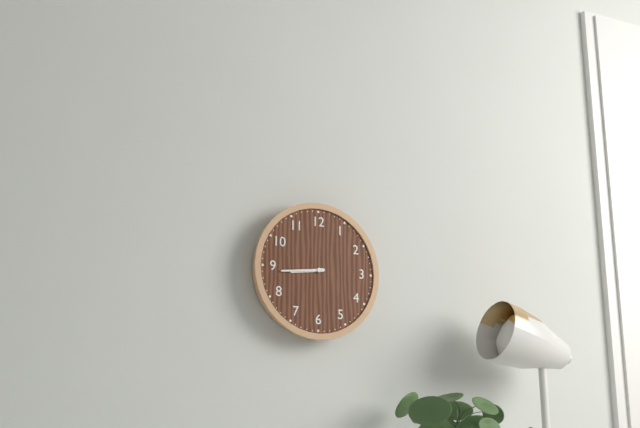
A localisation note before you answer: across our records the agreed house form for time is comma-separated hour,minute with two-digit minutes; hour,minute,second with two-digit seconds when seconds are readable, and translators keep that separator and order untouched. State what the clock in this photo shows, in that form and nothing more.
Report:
8,44
